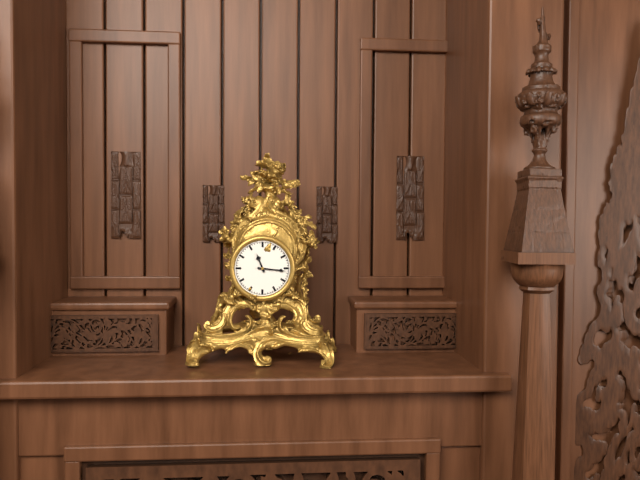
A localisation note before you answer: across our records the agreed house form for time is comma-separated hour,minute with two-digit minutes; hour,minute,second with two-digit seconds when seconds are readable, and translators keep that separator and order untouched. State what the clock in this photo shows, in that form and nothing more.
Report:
11,16
